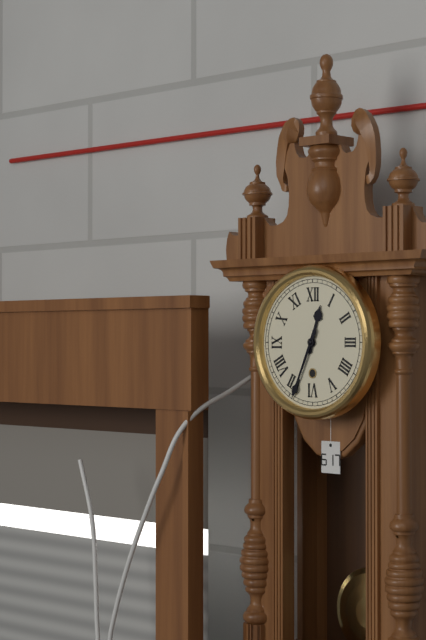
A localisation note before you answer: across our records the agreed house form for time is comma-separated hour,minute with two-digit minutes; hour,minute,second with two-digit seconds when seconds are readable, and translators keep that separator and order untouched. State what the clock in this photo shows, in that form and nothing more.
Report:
12,34
